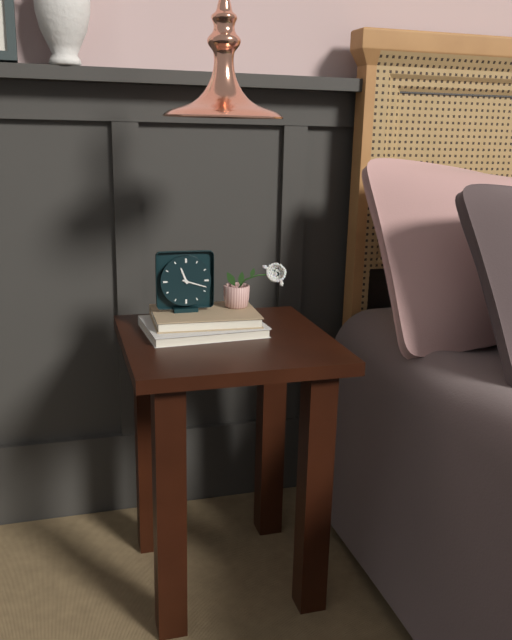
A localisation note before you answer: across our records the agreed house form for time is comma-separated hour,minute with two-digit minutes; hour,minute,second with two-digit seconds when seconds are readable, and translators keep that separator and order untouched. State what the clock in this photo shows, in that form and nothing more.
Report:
11,18
